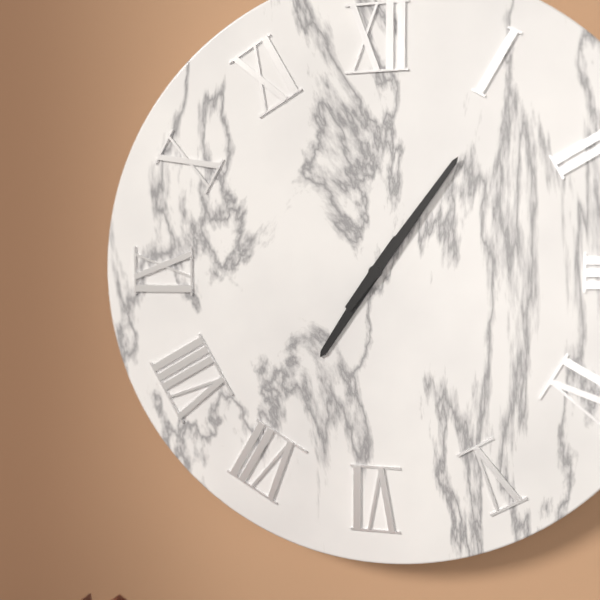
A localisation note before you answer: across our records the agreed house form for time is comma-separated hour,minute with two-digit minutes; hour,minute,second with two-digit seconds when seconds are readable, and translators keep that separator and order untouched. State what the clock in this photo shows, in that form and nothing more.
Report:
7,06
